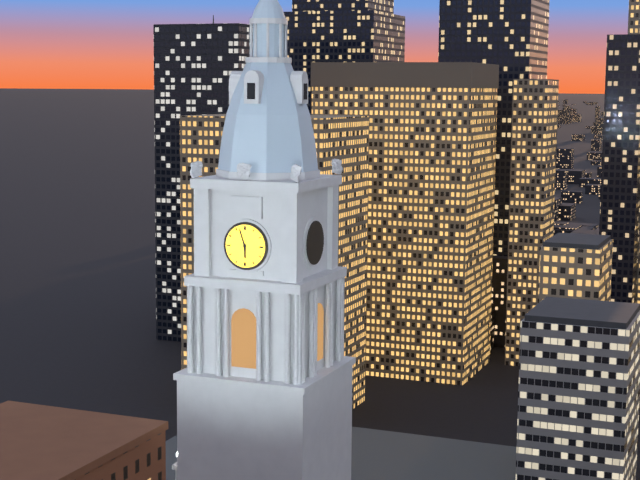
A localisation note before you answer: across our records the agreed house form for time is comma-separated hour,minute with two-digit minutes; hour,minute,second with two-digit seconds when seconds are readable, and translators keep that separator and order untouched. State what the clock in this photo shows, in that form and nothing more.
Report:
5,57
